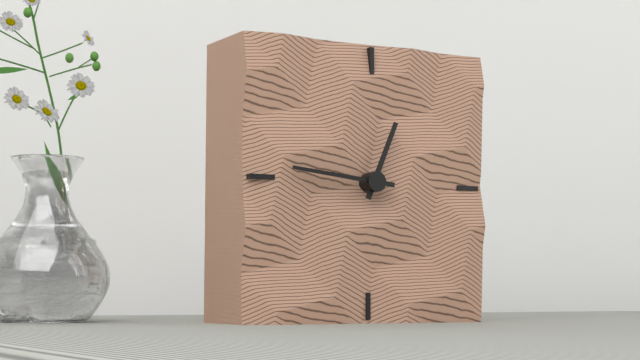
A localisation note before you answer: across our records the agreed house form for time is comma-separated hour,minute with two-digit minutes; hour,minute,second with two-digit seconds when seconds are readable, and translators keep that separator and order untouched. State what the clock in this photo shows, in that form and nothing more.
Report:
12,46
